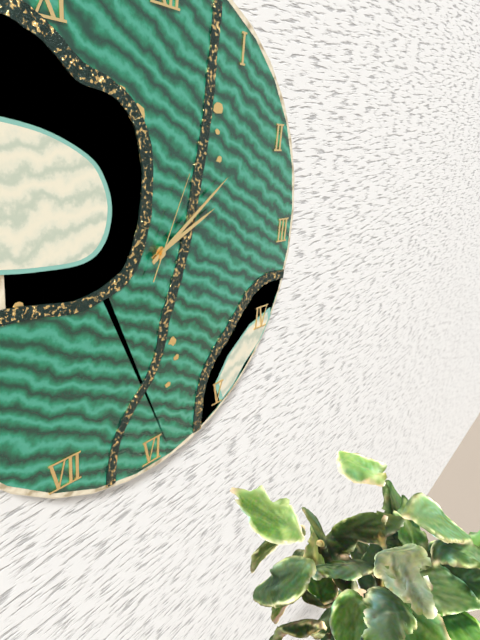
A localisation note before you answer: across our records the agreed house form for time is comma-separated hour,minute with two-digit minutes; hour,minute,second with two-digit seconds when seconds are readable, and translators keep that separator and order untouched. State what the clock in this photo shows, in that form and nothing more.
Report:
2,09,04
